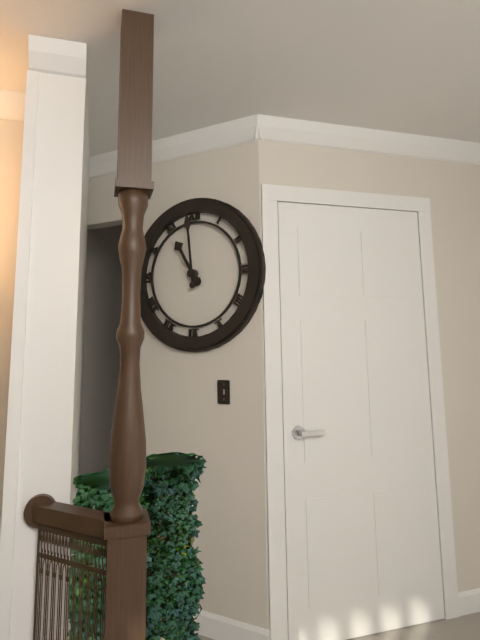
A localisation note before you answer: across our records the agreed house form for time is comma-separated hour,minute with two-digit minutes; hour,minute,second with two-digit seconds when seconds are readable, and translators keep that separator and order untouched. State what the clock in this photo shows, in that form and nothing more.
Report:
10,59
